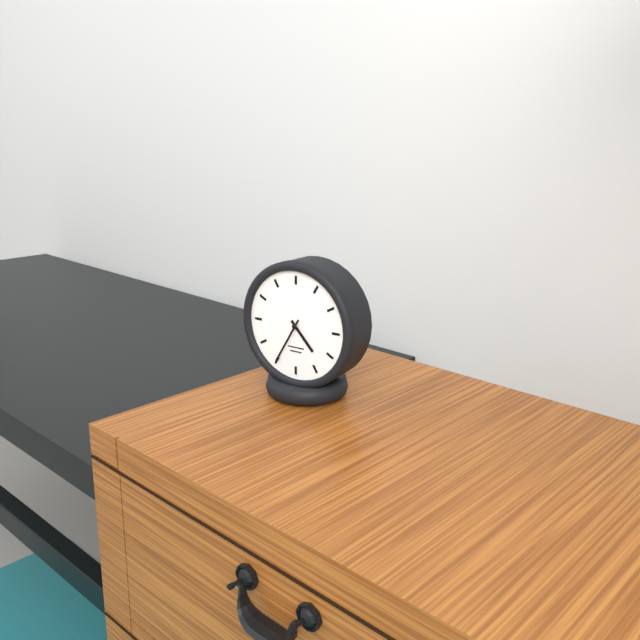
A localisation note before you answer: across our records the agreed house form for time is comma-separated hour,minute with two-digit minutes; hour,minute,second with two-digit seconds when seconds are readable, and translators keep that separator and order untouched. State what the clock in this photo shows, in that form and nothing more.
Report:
4,35
